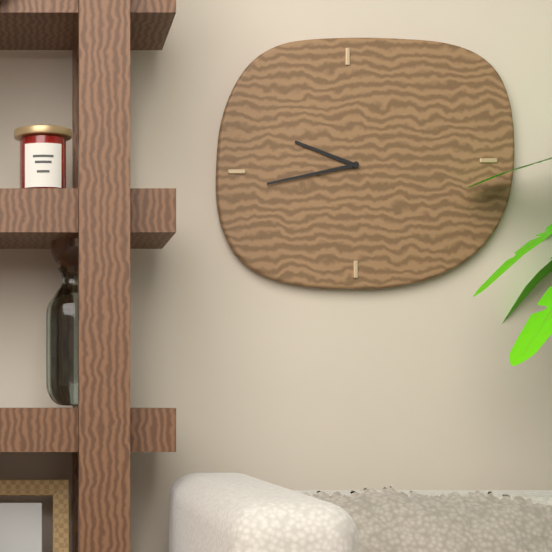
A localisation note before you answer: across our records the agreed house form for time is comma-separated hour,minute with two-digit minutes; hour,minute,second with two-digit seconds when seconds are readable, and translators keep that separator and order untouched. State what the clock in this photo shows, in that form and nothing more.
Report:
9,43
